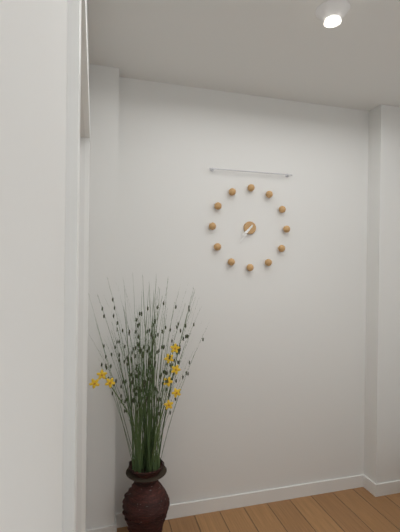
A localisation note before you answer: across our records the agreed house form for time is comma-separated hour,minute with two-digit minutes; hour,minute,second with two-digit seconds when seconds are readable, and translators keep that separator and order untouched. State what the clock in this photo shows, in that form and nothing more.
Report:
7,36
